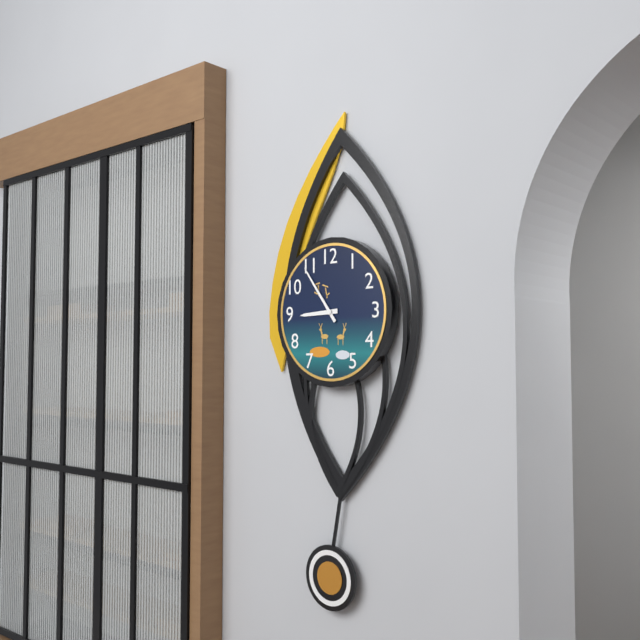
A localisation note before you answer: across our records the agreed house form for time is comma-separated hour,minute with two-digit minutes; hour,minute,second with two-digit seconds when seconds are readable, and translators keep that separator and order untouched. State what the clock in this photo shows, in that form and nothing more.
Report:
8,54
